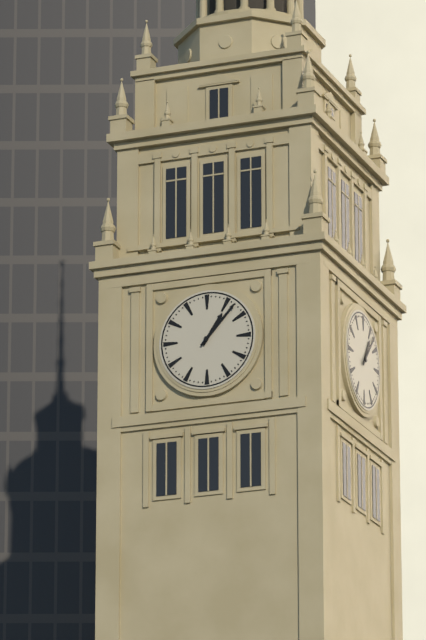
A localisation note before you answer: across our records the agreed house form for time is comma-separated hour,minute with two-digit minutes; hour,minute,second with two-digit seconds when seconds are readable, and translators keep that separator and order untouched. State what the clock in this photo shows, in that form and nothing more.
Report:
1,07
